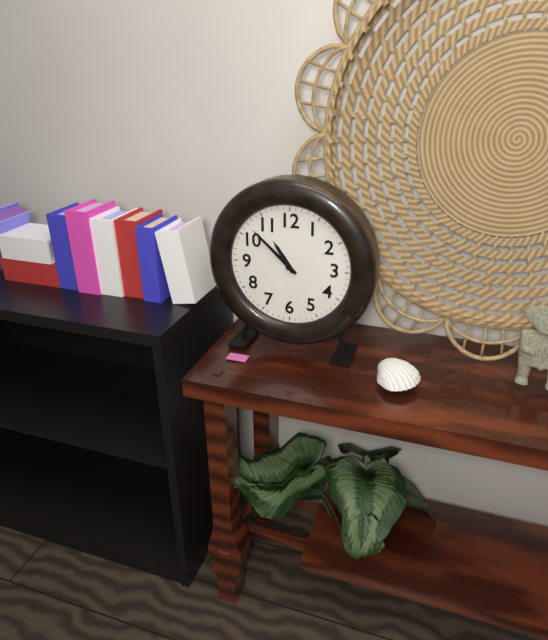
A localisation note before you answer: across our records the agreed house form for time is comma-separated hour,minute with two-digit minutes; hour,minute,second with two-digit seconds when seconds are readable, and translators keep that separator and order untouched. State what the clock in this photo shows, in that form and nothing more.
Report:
10,52
